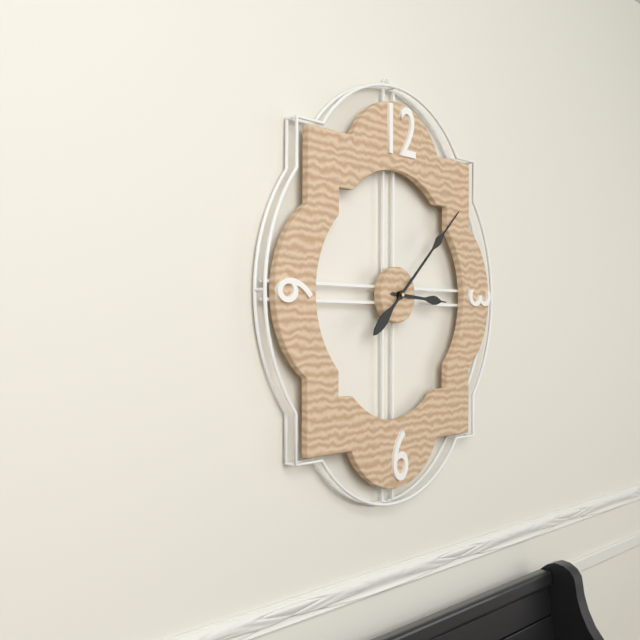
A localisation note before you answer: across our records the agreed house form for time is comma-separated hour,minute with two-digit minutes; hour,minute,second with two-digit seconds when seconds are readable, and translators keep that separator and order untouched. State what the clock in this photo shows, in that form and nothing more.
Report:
3,08
